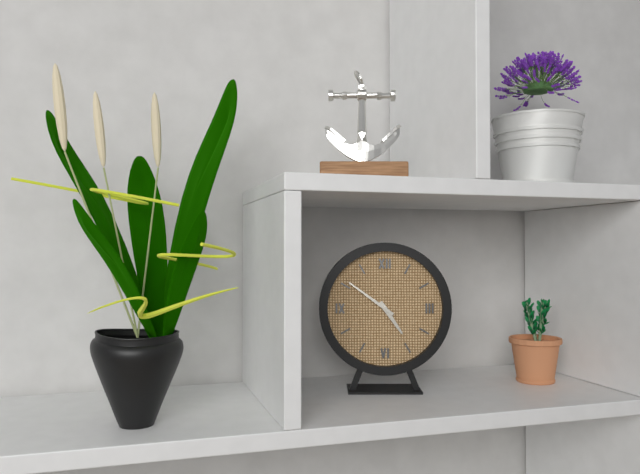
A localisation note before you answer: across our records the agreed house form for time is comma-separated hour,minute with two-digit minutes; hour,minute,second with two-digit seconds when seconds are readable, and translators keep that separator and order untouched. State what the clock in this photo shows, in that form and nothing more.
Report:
4,51
